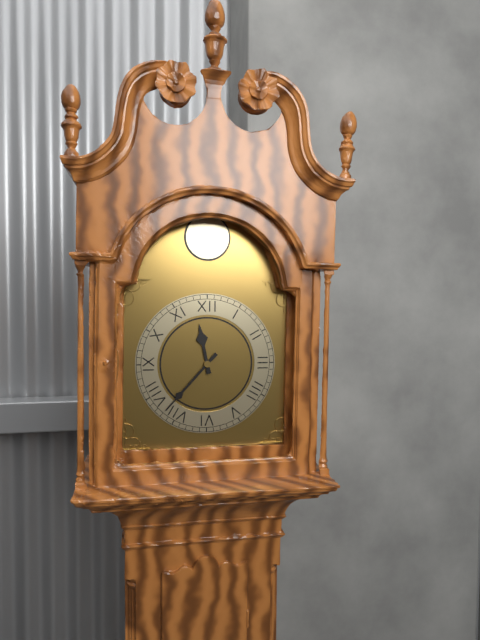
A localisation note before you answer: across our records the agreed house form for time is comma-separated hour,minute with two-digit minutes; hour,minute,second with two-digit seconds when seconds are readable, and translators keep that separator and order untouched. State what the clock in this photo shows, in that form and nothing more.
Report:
11,37
